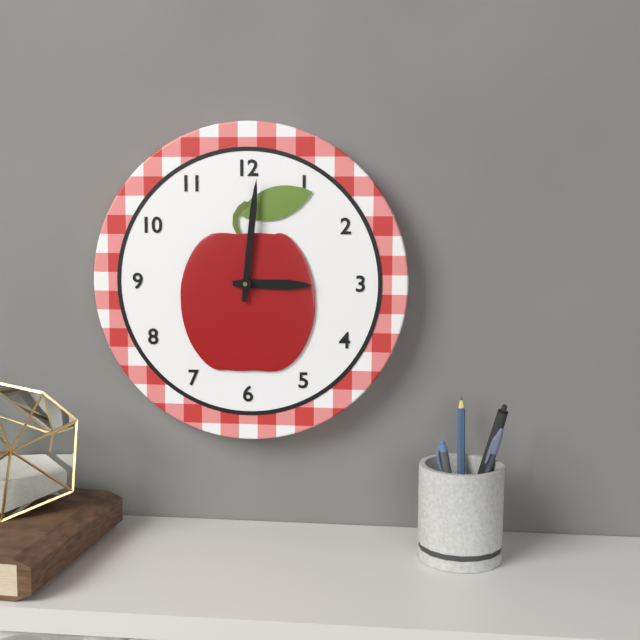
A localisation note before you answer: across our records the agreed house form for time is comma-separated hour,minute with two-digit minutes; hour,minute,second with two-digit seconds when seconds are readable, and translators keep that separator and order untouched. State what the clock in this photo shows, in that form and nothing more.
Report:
3,01
